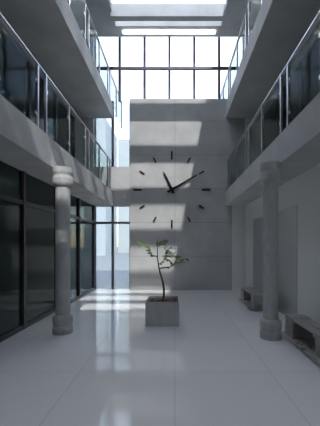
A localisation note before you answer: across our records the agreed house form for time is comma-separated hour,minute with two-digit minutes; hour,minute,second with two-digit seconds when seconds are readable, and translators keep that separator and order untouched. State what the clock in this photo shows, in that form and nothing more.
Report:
11,10
